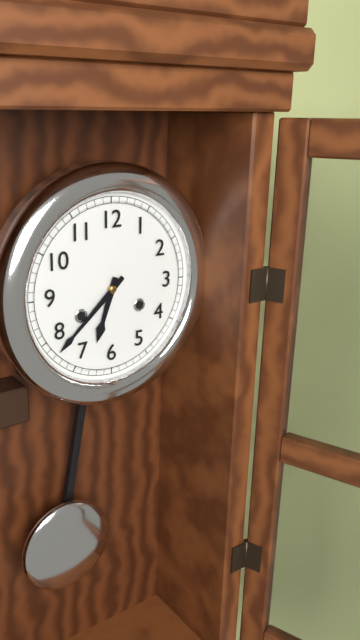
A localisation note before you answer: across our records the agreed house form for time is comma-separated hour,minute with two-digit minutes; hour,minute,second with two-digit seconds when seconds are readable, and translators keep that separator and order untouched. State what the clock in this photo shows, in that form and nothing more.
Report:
6,38
